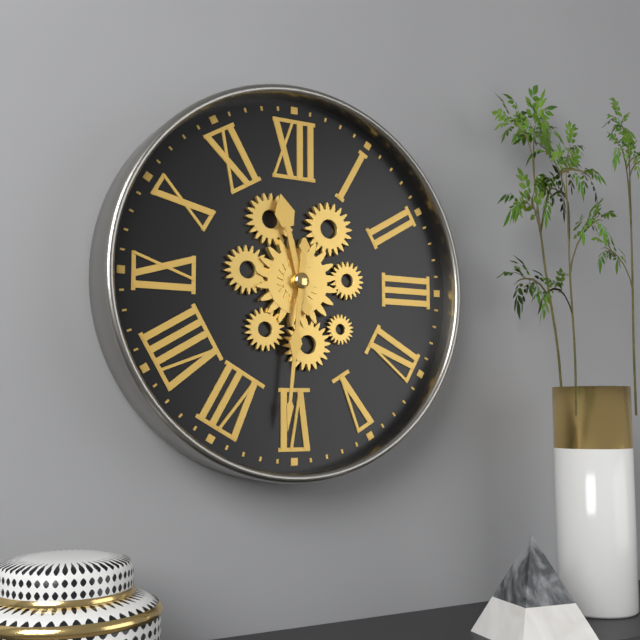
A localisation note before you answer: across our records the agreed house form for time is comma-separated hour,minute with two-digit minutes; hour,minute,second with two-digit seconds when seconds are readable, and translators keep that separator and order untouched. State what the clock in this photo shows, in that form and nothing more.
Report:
11,31
